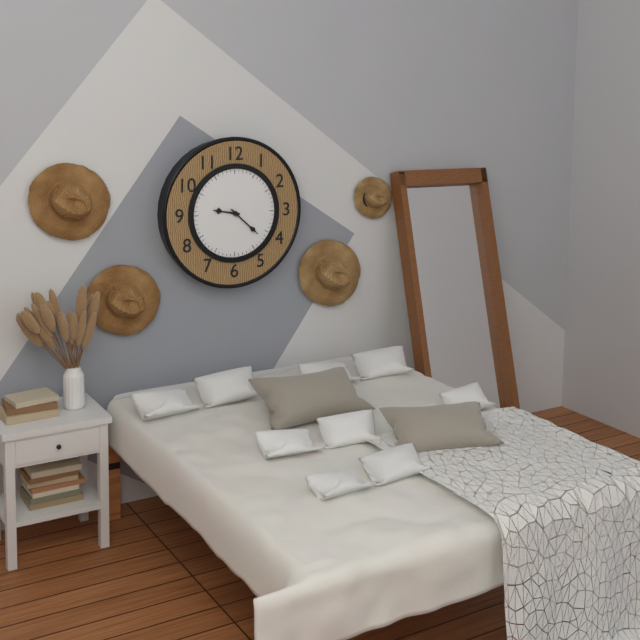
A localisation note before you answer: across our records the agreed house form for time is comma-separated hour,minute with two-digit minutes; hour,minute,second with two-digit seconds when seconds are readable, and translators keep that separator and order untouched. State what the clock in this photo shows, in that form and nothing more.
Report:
9,22
